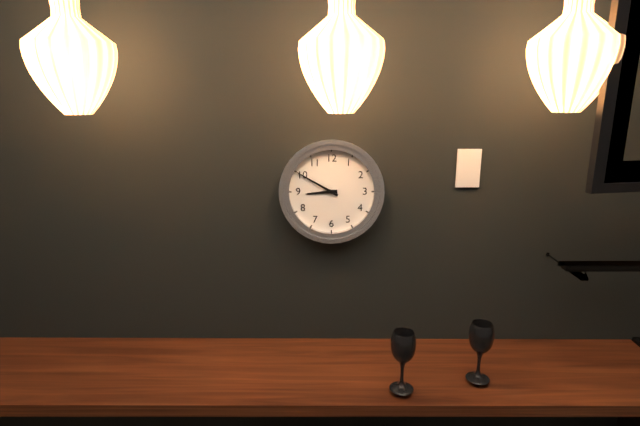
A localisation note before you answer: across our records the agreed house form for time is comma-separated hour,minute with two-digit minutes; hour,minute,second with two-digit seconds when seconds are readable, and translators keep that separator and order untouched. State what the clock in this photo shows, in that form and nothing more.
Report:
8,50
